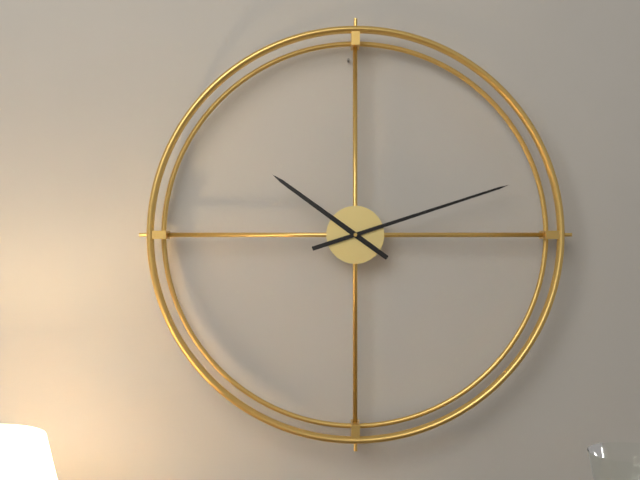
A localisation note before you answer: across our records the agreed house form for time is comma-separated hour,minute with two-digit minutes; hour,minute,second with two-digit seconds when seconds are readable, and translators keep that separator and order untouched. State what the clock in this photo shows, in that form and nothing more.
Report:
10,12
